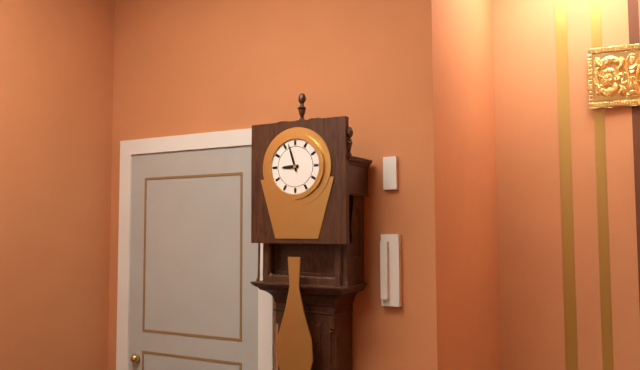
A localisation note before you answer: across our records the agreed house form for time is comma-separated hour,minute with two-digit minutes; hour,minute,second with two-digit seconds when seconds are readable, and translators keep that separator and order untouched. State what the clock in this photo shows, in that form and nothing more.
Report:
8,57
